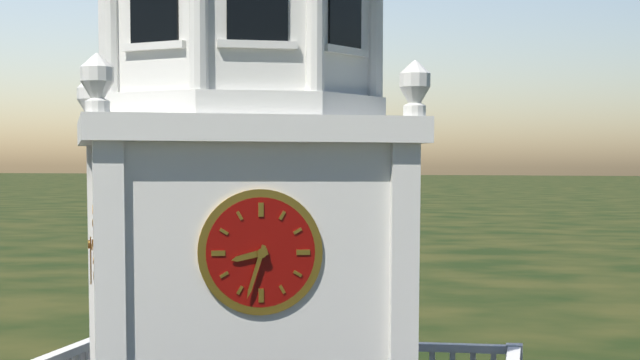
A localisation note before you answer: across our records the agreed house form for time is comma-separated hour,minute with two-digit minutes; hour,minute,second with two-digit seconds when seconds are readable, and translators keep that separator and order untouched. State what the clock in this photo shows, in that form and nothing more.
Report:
8,33
